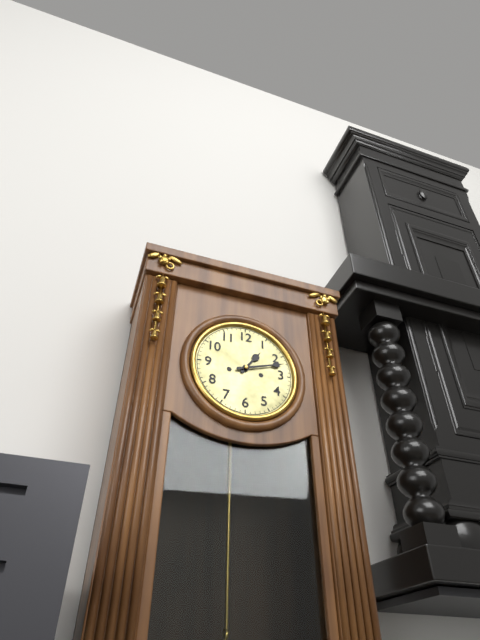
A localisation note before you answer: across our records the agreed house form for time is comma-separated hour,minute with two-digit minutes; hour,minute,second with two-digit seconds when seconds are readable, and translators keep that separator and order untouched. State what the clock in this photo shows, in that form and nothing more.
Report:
1,12
